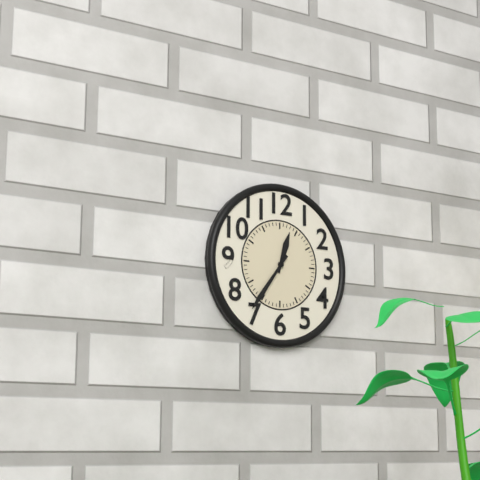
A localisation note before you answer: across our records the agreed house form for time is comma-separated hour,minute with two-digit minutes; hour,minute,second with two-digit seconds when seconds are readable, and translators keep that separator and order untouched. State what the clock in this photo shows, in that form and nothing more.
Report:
12,36
